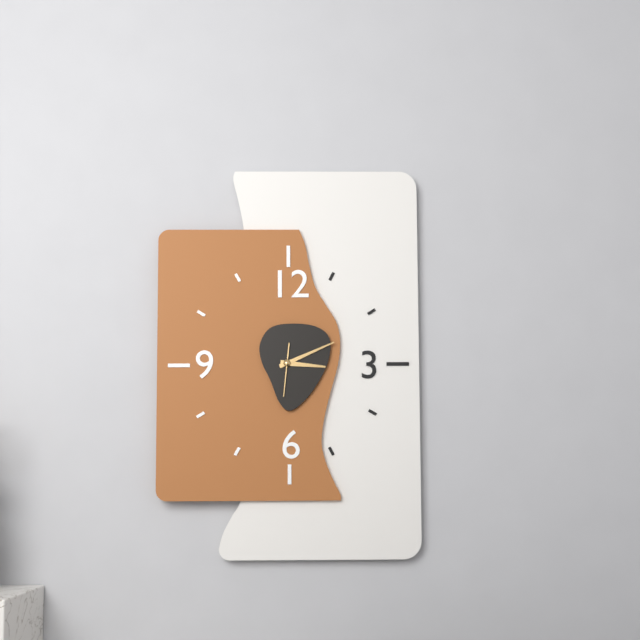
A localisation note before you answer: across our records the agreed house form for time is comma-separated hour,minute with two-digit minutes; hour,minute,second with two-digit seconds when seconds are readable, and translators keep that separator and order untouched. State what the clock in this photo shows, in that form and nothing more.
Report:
3,11
